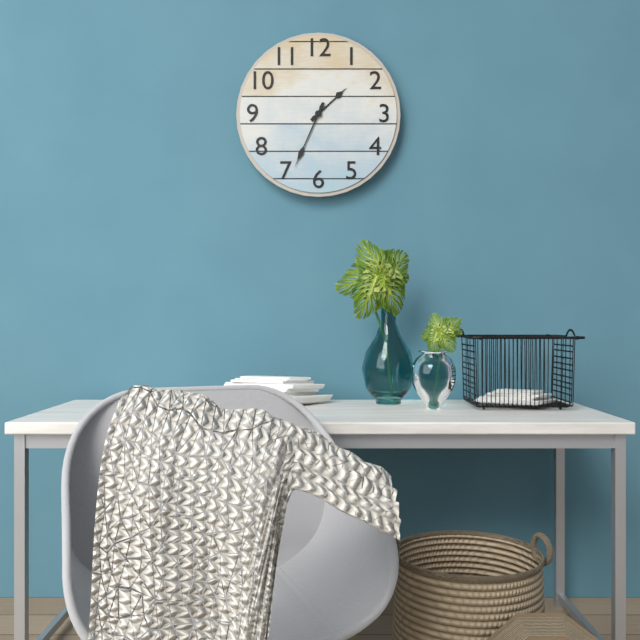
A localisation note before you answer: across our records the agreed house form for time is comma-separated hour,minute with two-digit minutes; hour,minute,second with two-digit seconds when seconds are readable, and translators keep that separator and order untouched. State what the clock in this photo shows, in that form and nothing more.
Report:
1,34
